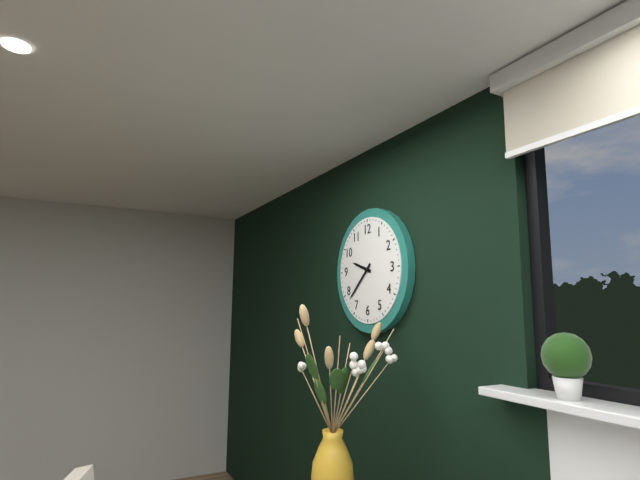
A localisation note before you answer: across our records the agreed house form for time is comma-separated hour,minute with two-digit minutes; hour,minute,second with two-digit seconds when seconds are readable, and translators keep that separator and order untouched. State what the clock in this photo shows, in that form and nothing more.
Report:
9,38
